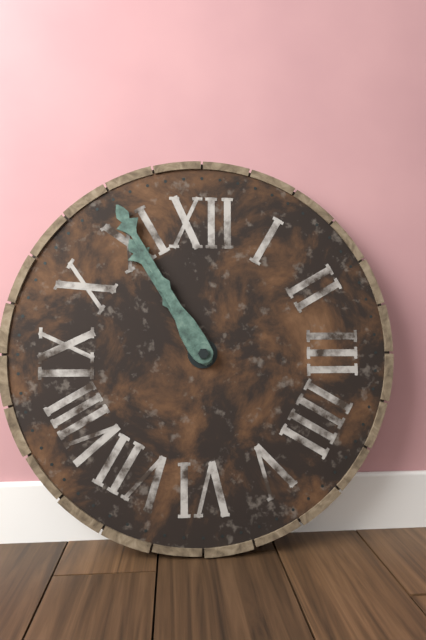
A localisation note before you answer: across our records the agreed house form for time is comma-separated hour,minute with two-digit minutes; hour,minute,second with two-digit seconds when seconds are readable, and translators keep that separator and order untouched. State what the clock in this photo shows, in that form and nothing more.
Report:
10,55
